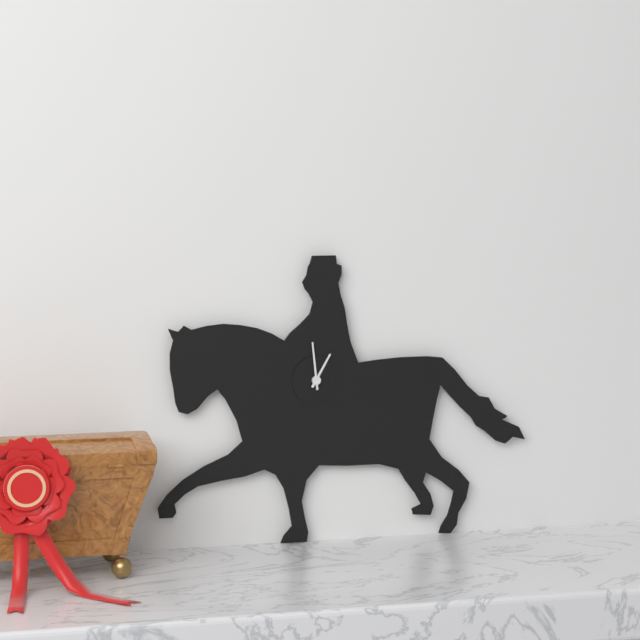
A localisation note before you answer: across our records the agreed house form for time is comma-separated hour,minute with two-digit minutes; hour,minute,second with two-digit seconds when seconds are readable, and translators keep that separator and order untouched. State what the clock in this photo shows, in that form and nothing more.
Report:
12,59
